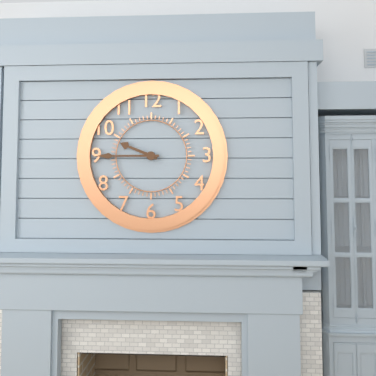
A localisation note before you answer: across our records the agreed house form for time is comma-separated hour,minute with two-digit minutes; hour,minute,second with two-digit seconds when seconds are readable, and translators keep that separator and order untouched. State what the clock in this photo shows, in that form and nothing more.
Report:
9,45
